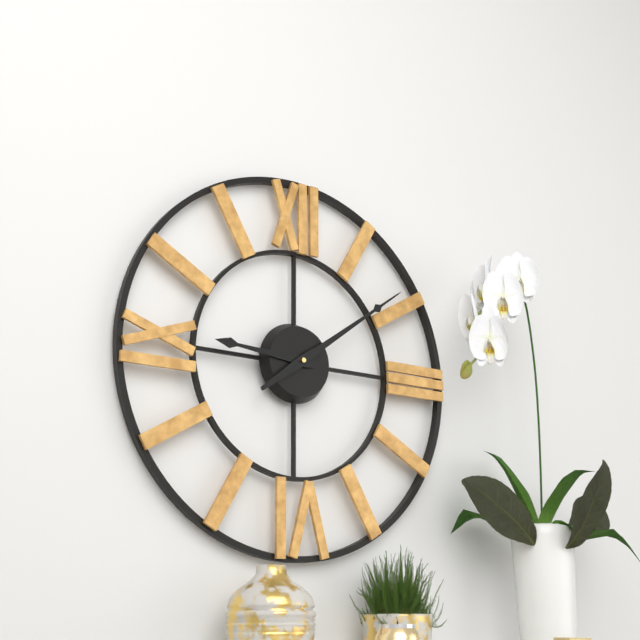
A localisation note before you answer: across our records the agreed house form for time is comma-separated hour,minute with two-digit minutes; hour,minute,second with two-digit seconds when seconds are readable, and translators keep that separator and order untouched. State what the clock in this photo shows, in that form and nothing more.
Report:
9,09
